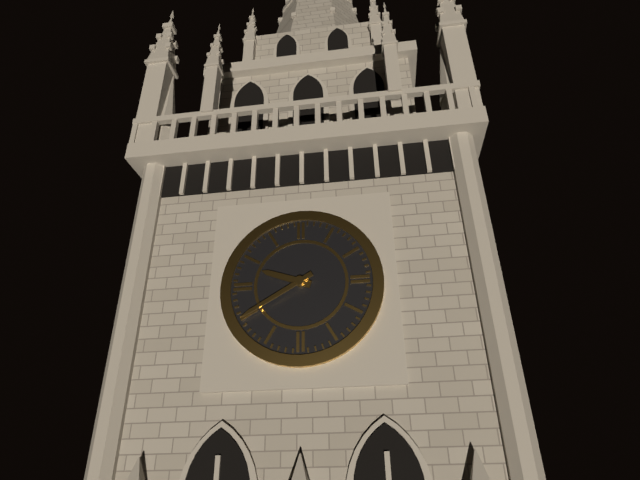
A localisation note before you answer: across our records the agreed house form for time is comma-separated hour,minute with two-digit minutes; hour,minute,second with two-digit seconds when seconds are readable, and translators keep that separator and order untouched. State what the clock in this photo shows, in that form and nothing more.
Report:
9,40
